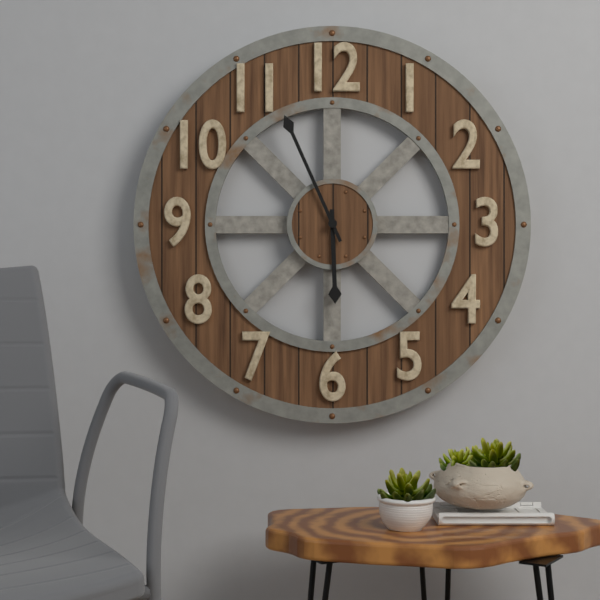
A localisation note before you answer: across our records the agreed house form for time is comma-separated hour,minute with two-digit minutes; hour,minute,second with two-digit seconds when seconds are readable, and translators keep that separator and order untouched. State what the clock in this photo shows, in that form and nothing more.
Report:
5,56
